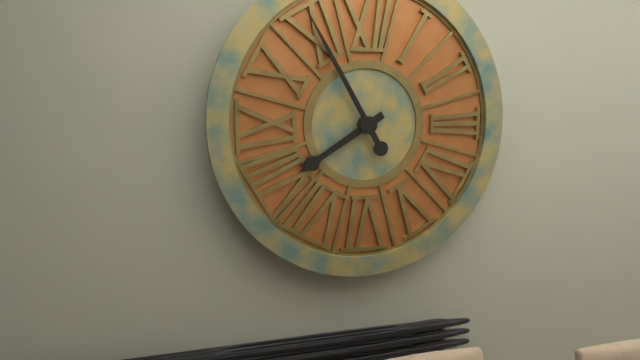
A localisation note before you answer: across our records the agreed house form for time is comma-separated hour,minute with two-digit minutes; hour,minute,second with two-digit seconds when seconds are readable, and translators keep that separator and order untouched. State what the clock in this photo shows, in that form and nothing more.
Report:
7,55
